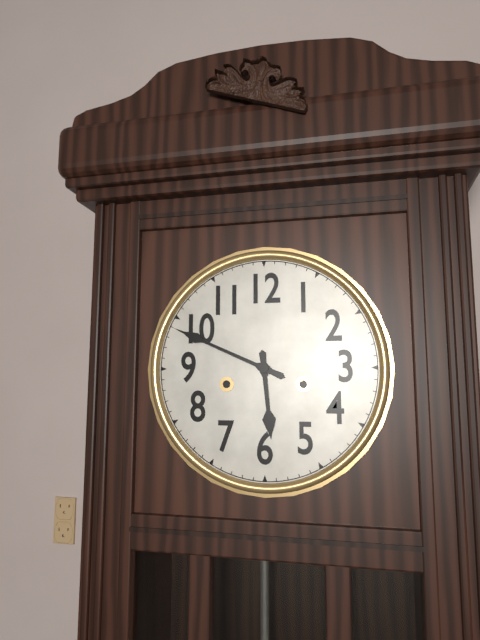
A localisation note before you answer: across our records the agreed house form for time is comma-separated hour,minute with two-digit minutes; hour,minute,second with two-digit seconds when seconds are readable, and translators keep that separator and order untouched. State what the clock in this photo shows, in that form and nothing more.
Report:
5,49
